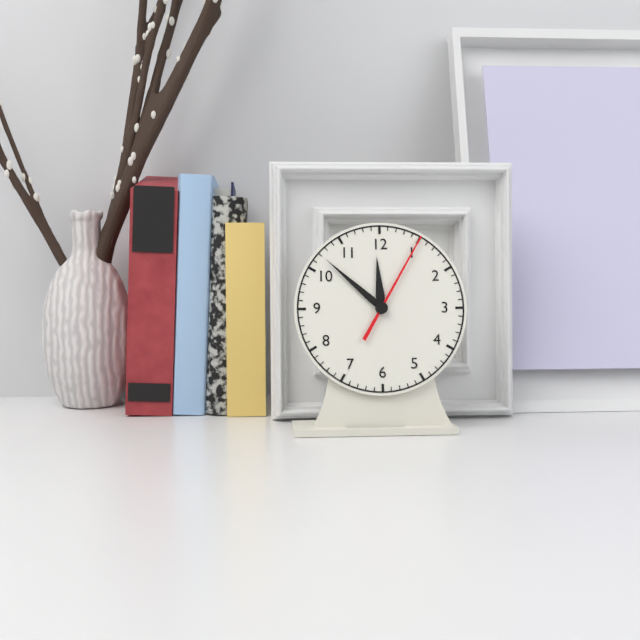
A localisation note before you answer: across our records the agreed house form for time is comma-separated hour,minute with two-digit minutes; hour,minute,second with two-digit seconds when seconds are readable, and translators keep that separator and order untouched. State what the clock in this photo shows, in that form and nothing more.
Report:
11,52,05
